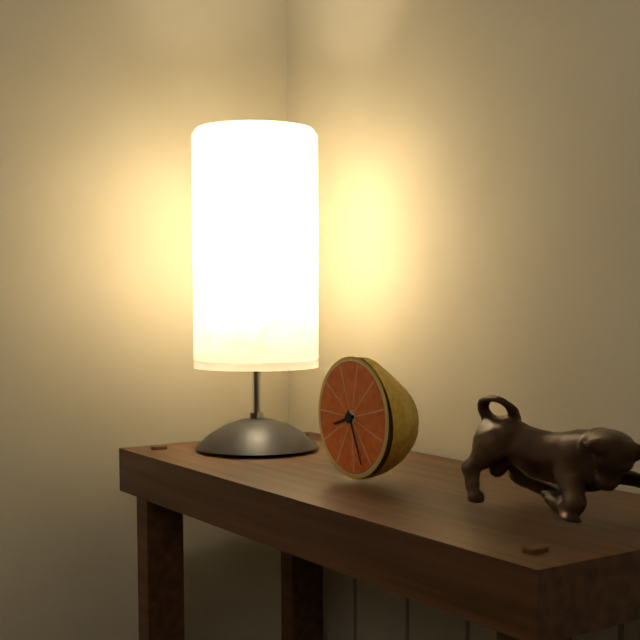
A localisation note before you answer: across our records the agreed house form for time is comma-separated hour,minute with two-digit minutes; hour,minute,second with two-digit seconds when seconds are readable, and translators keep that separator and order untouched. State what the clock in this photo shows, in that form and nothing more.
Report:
8,26
